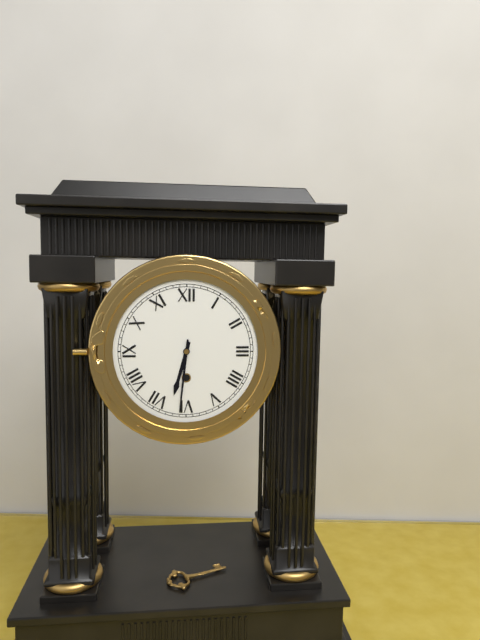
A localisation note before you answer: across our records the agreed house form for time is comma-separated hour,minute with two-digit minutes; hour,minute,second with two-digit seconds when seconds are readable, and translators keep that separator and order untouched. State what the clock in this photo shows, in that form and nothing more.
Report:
6,31
